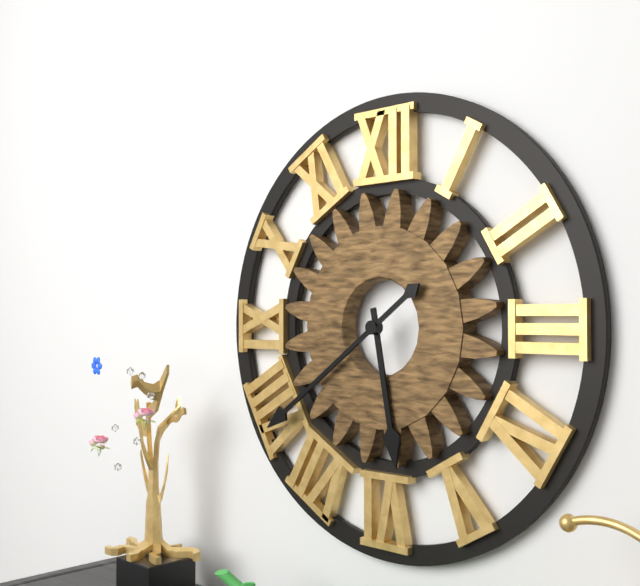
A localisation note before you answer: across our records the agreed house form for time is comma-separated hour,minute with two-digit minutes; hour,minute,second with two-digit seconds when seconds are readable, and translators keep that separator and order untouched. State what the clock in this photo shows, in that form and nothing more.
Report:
5,39
